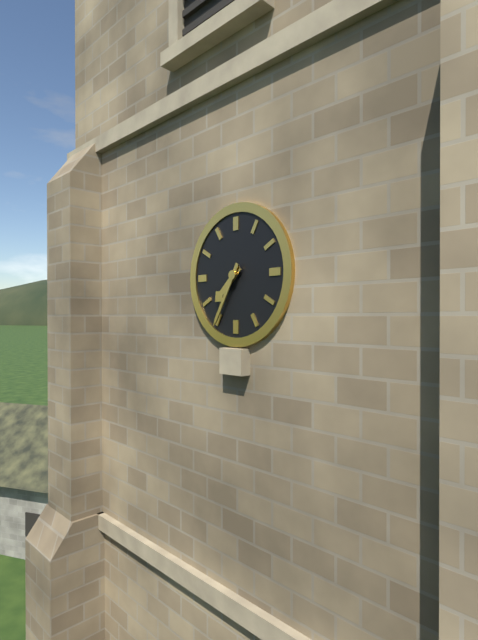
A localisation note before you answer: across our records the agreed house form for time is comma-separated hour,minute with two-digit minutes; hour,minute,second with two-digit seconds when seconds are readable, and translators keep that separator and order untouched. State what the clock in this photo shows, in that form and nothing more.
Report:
7,35
